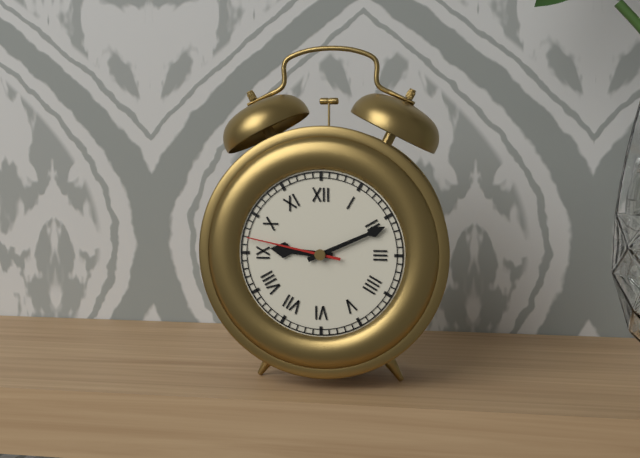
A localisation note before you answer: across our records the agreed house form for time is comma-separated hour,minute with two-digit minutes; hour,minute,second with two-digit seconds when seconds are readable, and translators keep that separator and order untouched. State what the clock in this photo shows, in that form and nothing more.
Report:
9,11,47
